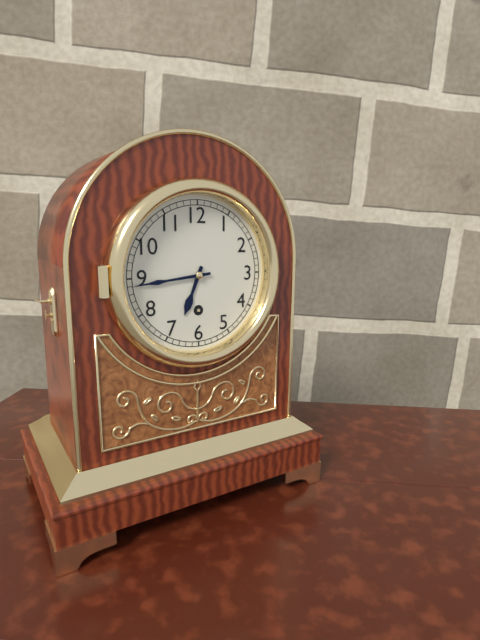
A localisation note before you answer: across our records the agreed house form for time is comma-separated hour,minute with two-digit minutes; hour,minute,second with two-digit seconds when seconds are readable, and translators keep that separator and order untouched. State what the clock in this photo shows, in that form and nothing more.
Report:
6,44
